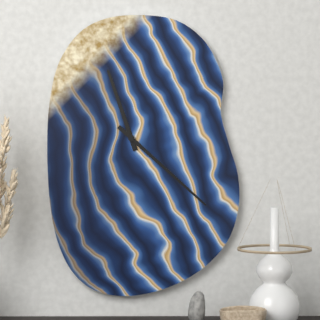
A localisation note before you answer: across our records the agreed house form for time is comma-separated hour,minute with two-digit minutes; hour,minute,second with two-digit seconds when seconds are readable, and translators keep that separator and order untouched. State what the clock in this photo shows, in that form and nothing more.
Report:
11,22
